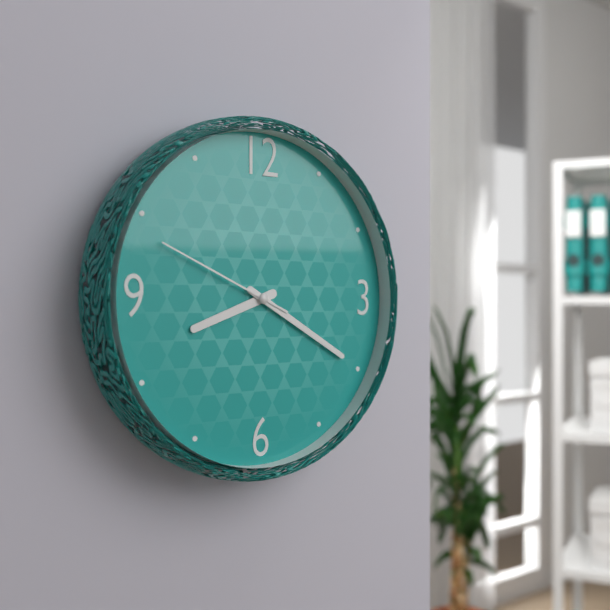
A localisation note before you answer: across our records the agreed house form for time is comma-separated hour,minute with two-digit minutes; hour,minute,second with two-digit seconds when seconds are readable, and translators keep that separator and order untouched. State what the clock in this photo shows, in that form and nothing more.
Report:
8,20,49
